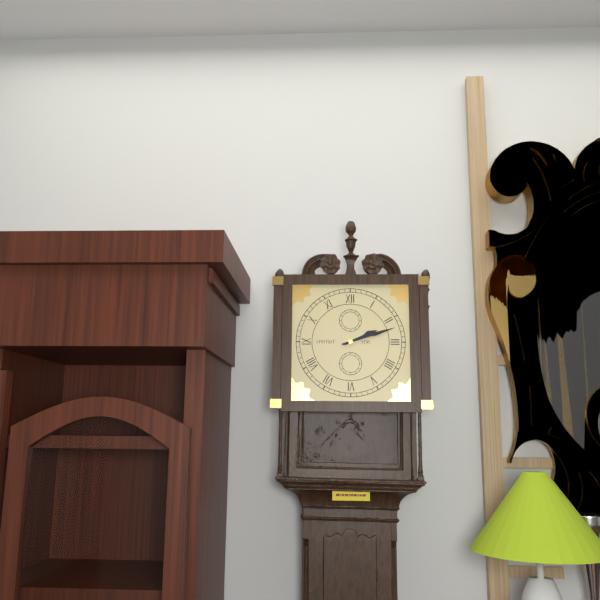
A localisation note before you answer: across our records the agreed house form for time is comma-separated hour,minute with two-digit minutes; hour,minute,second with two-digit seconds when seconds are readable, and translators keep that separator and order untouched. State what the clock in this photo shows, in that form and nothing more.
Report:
2,12
